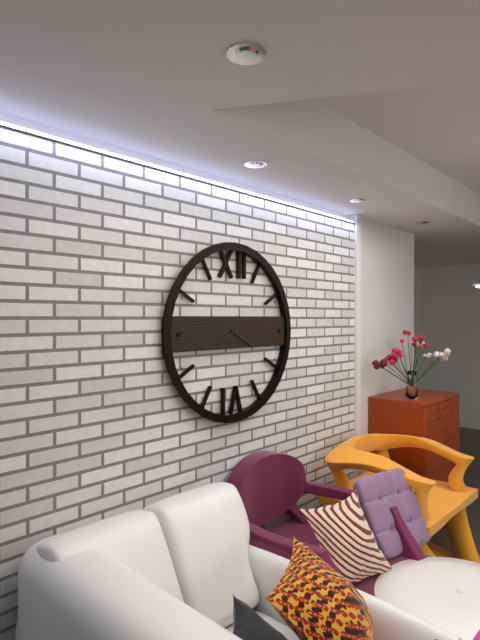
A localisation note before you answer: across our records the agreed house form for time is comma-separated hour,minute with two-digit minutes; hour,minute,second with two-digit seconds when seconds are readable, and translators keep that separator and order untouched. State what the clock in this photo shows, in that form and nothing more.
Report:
8,20
